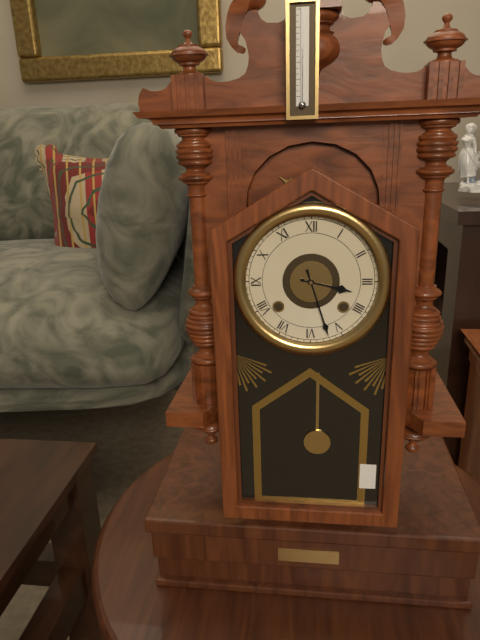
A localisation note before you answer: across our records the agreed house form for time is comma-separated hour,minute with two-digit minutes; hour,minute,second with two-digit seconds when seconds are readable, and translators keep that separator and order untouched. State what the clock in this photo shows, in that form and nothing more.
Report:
3,27
